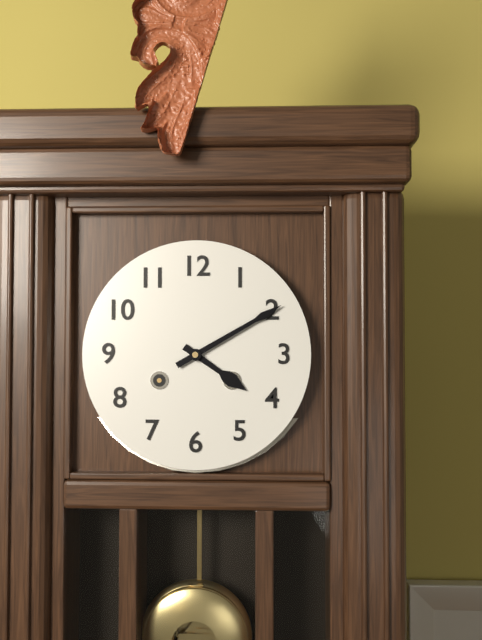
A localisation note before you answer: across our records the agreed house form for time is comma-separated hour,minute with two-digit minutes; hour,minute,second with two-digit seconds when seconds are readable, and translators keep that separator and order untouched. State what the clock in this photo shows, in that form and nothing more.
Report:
4,10
